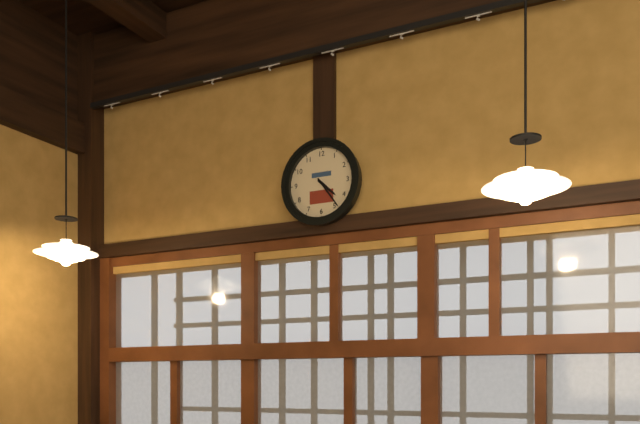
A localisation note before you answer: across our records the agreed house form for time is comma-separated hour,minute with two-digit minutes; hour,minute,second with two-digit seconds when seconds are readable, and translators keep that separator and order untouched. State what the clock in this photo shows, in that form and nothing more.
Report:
4,24
